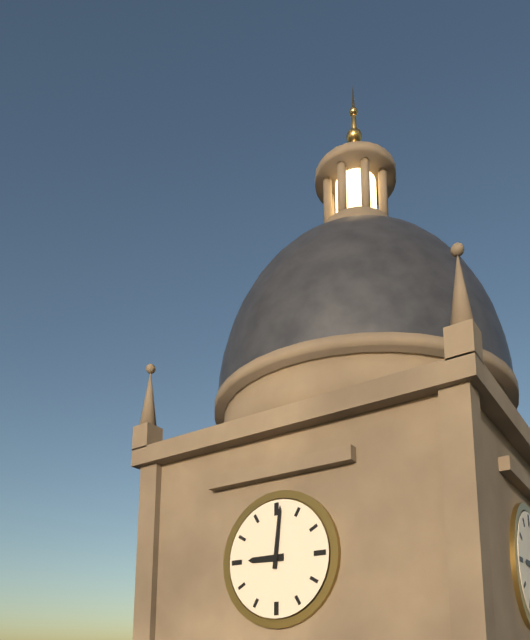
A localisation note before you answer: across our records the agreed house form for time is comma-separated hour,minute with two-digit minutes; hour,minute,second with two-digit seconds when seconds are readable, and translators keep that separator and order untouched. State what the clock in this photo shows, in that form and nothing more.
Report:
9,01
